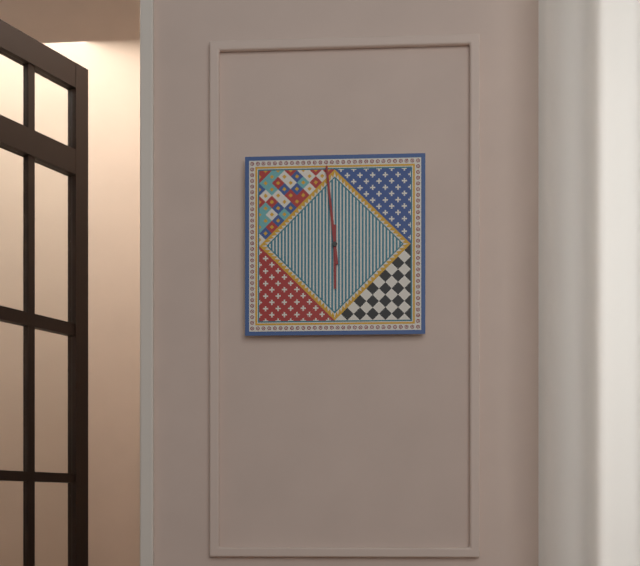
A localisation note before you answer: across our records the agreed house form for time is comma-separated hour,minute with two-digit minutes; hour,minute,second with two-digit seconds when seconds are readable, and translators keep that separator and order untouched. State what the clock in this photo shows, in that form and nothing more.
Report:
5,59
